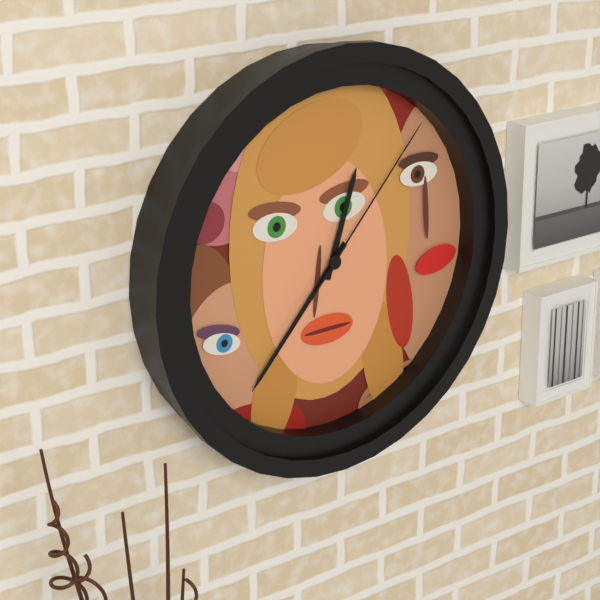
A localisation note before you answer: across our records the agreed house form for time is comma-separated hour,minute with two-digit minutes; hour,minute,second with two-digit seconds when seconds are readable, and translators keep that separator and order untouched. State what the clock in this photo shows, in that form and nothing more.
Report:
12,37,07
